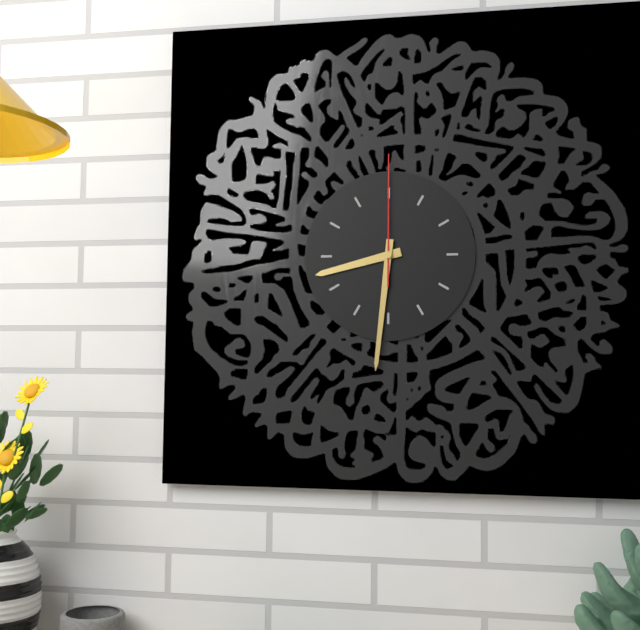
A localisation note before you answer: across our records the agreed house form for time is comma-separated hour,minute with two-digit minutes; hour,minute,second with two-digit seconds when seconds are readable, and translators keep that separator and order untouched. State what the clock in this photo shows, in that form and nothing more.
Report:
8,31,00
